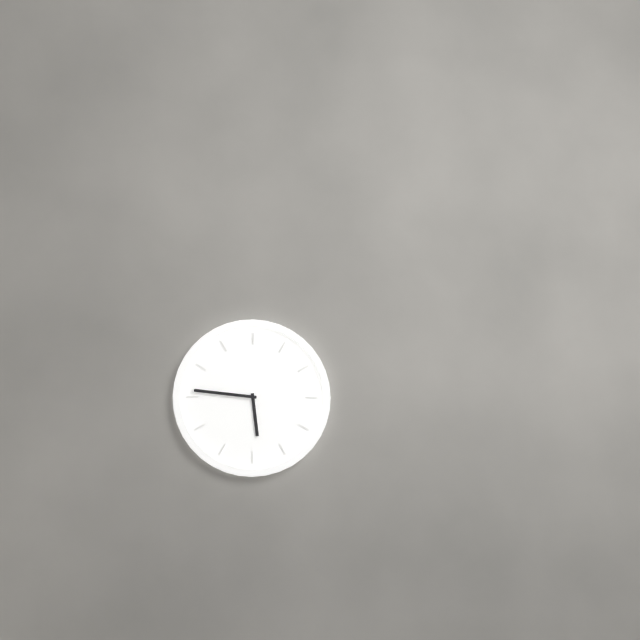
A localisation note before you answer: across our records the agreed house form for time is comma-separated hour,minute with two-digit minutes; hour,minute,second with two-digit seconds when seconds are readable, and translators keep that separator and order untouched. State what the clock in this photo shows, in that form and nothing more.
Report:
5,46
